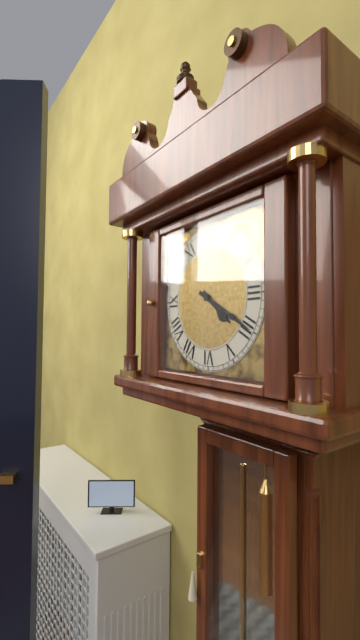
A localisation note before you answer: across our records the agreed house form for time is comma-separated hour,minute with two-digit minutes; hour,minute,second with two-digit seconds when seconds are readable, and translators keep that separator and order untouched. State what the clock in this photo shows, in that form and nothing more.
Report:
4,20
